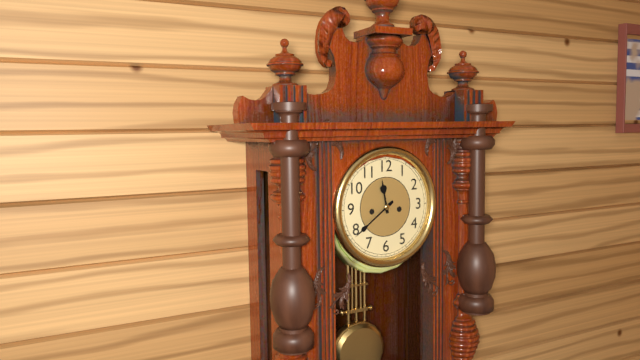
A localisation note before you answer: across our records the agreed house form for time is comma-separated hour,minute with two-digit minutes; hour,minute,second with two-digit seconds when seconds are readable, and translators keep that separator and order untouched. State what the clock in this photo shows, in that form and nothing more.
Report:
11,39
